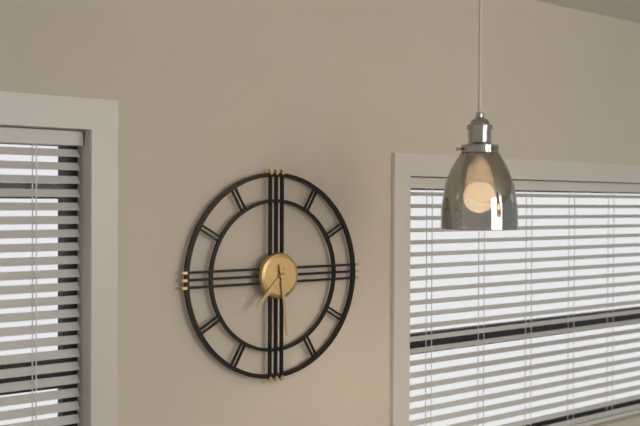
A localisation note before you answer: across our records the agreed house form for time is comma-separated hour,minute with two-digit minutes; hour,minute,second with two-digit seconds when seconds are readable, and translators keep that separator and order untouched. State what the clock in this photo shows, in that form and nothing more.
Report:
7,29
